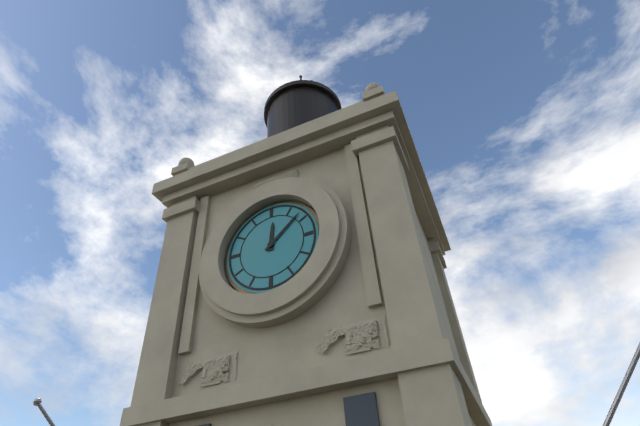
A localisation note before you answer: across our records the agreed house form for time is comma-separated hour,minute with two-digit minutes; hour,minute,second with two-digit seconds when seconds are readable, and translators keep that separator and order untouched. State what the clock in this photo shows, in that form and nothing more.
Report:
12,08
